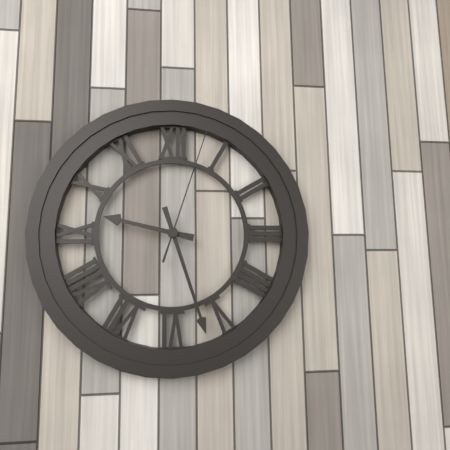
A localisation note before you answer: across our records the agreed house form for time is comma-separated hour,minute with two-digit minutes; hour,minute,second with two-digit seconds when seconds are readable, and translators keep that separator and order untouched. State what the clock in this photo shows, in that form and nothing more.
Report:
9,27,03
